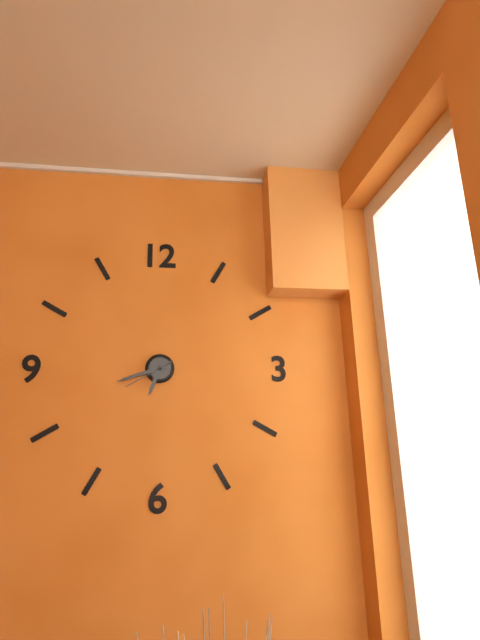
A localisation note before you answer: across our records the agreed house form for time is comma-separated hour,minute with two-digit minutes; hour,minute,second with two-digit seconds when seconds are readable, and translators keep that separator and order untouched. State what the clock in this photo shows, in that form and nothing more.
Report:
6,42
